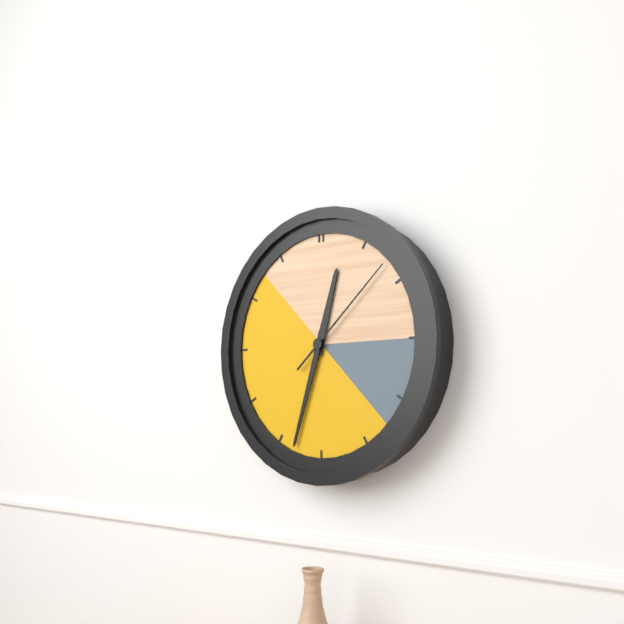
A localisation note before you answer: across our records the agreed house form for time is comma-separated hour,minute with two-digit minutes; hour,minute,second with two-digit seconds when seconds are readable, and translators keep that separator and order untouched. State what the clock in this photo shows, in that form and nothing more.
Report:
12,33,08
